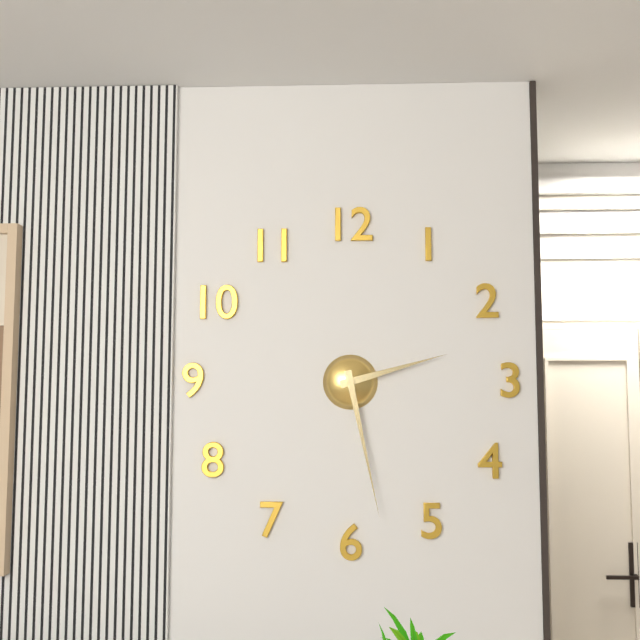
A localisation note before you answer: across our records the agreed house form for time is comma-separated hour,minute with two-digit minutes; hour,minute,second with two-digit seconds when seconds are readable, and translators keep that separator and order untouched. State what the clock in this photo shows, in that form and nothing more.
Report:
2,28
